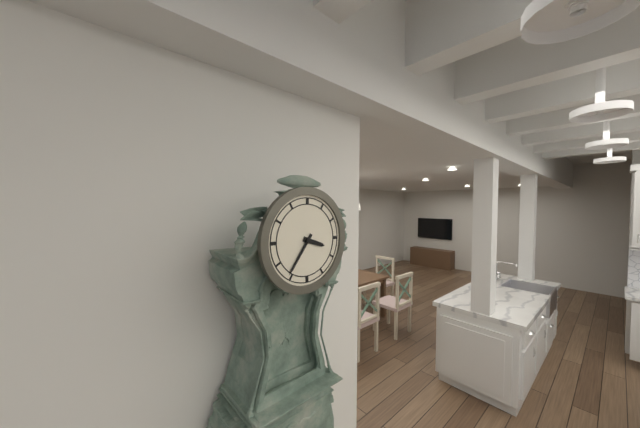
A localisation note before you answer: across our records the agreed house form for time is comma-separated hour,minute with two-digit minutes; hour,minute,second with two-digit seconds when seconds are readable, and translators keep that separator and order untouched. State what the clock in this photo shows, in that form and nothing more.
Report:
3,36
